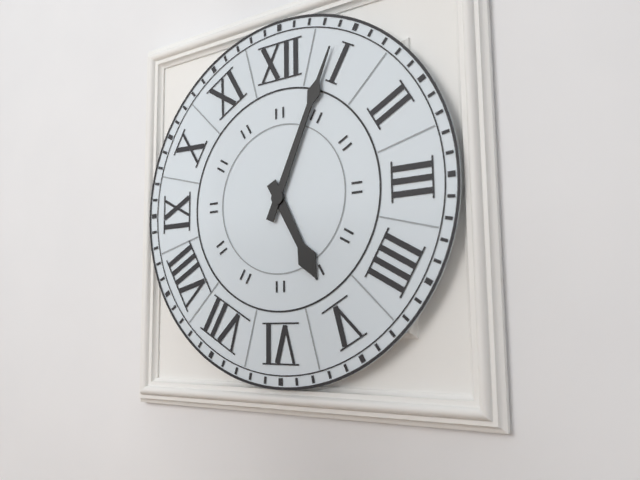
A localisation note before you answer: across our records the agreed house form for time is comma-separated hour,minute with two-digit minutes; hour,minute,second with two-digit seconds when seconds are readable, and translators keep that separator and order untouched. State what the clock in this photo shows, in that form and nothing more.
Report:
5,04
